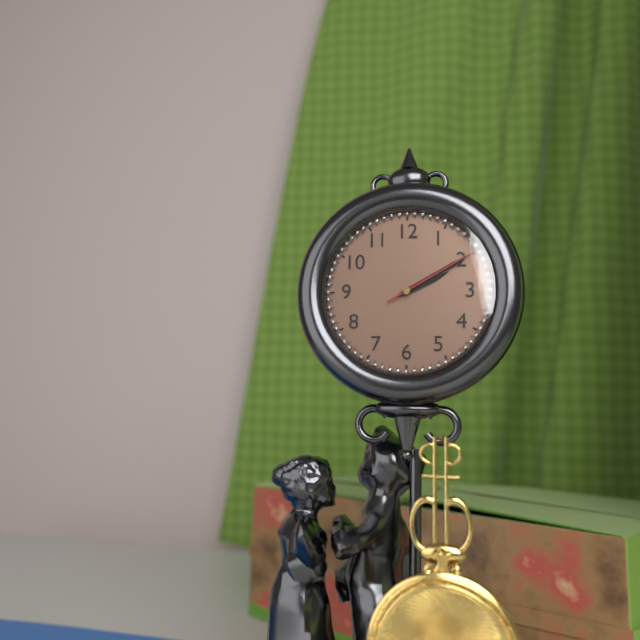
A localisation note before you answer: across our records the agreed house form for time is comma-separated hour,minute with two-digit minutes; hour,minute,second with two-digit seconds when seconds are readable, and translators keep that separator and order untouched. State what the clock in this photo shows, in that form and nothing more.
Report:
2,10,10
